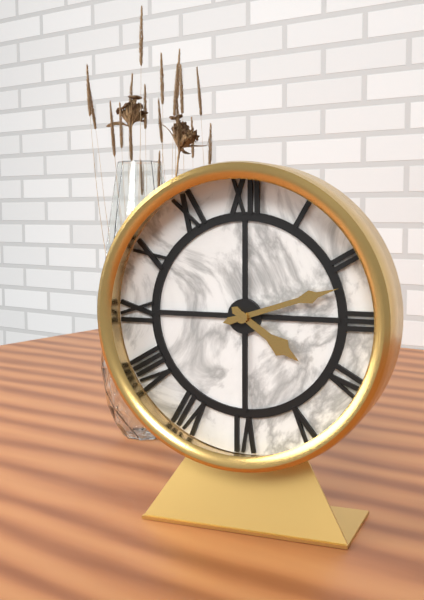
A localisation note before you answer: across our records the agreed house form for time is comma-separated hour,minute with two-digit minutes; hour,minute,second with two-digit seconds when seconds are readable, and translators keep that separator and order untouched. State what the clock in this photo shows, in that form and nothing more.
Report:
4,12
